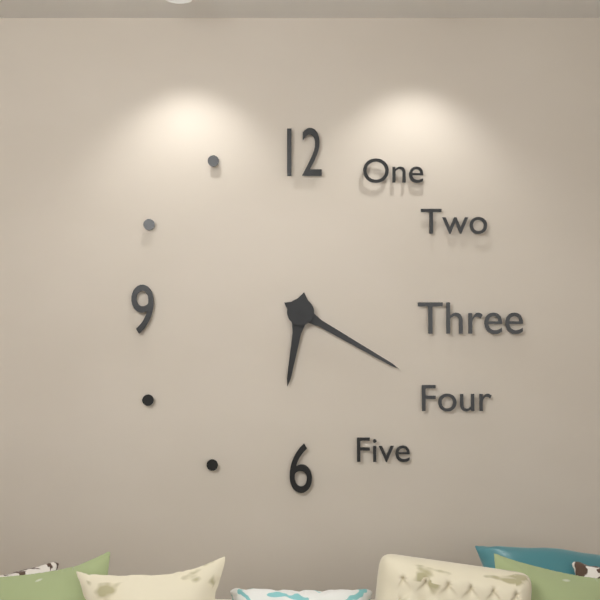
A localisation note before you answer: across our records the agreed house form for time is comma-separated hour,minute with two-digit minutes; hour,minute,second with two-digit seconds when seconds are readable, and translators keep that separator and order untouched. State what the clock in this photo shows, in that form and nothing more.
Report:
6,20
